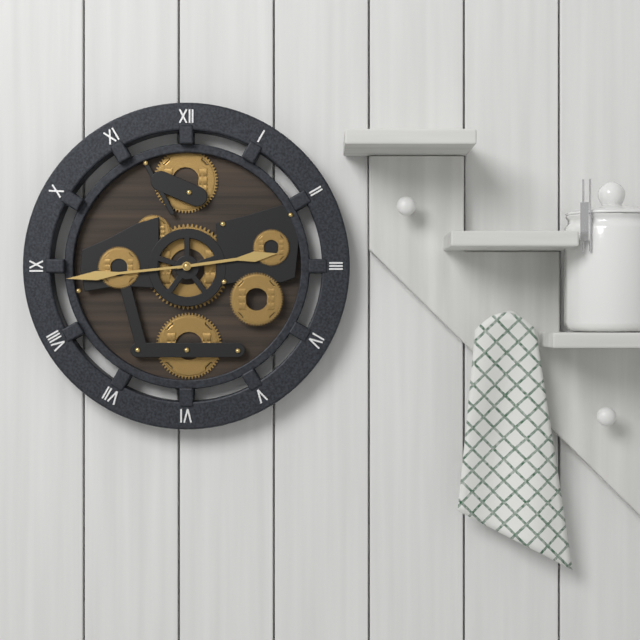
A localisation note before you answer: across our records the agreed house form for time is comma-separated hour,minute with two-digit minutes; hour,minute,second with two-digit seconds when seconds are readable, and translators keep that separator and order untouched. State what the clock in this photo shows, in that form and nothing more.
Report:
2,44
